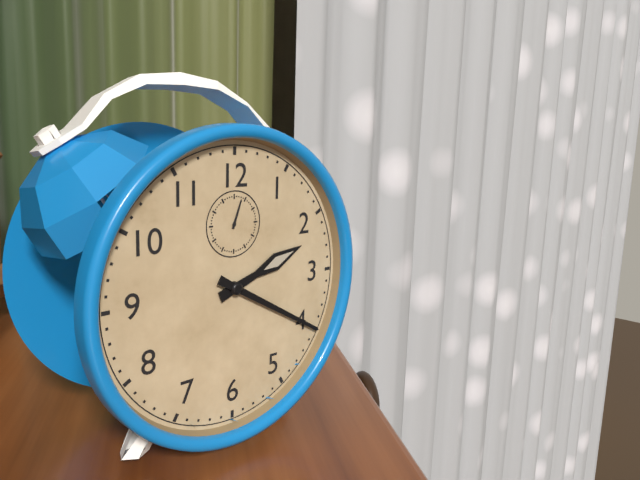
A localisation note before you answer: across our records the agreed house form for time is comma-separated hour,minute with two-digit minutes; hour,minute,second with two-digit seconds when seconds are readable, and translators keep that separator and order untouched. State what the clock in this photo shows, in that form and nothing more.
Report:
2,20
